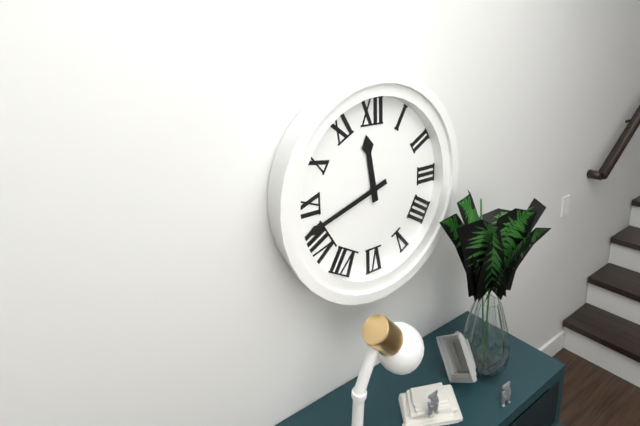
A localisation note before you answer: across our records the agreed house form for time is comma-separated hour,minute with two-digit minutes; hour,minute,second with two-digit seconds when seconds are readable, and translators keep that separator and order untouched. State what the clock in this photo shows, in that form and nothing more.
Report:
11,42
